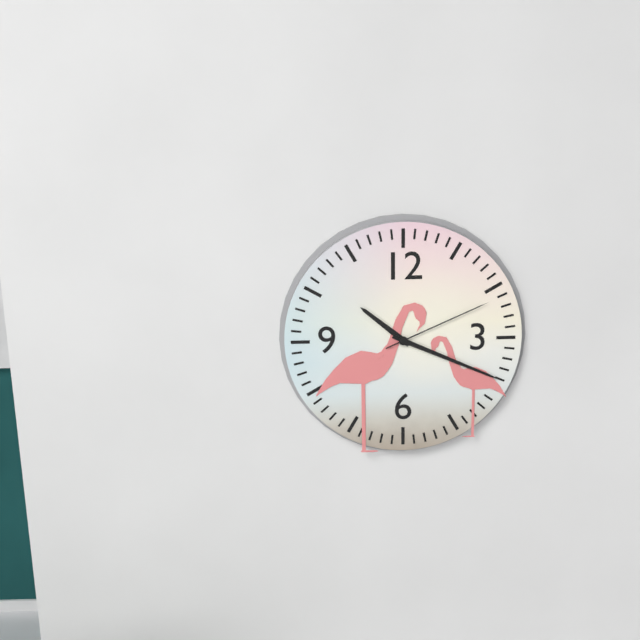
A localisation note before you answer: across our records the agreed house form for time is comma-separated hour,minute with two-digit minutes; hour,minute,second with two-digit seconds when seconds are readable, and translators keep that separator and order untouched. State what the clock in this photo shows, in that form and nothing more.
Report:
10,19,11
